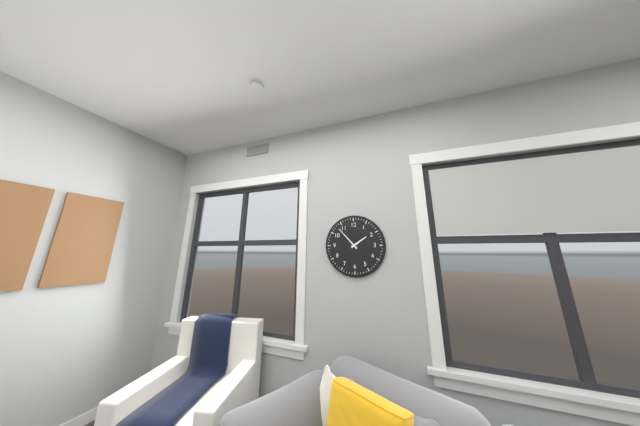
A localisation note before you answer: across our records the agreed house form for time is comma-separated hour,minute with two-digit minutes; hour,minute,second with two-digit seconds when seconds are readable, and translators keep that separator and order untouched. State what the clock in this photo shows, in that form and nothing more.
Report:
1,53
